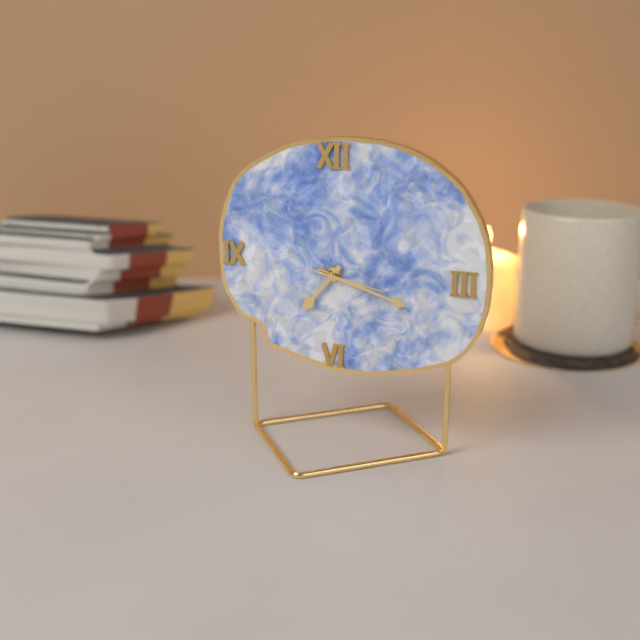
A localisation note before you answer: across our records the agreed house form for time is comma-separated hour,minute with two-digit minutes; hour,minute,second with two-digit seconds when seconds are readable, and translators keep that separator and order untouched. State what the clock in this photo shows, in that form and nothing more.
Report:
7,18,17
